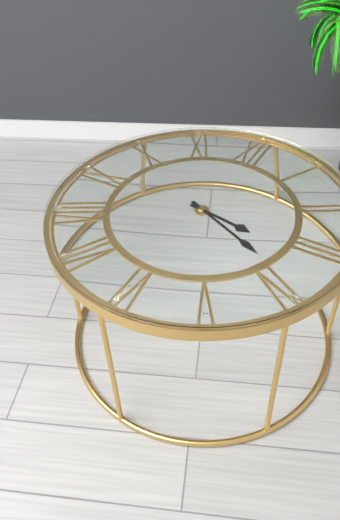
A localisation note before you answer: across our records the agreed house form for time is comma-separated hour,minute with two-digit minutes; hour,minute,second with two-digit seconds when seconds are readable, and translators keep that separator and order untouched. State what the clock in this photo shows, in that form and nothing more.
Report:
3,19
